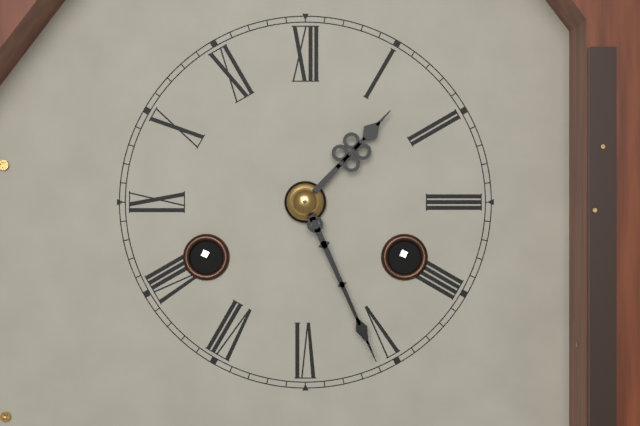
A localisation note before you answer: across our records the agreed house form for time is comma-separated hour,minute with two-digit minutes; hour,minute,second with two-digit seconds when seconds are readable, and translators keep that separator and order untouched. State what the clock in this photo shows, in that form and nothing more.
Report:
1,26
